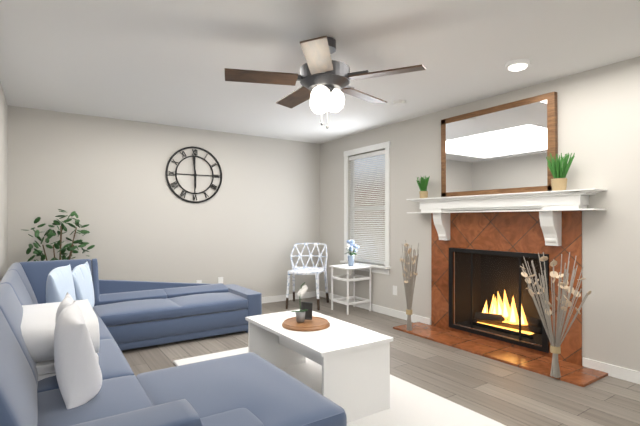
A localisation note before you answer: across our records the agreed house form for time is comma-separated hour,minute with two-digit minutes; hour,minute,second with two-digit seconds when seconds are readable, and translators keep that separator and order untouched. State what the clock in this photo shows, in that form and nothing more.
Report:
5,59
